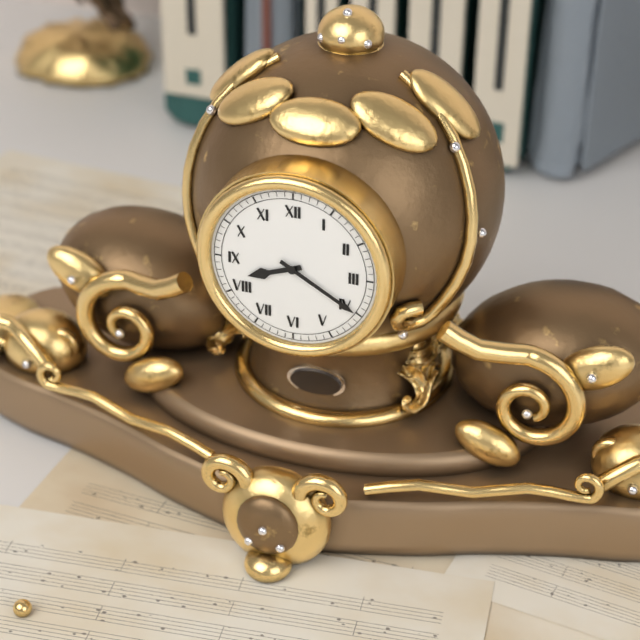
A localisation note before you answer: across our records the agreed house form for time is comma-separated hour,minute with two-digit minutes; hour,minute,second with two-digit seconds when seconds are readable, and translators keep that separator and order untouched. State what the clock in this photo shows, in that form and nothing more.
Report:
8,20
